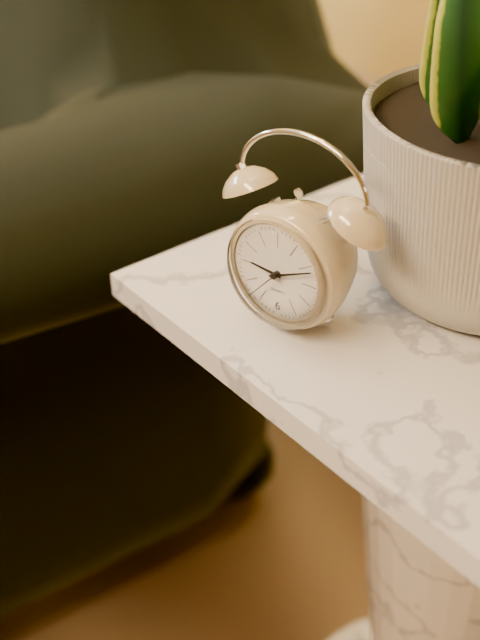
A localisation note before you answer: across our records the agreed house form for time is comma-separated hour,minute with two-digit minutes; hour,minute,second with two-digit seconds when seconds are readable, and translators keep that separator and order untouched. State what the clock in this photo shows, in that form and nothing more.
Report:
9,11
